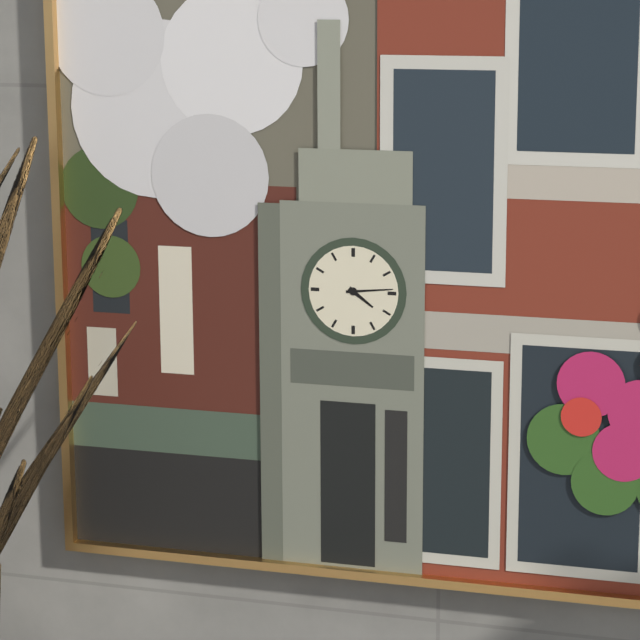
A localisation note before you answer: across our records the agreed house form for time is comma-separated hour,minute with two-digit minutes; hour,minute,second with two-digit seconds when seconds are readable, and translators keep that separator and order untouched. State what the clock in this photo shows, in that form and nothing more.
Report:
4,14
